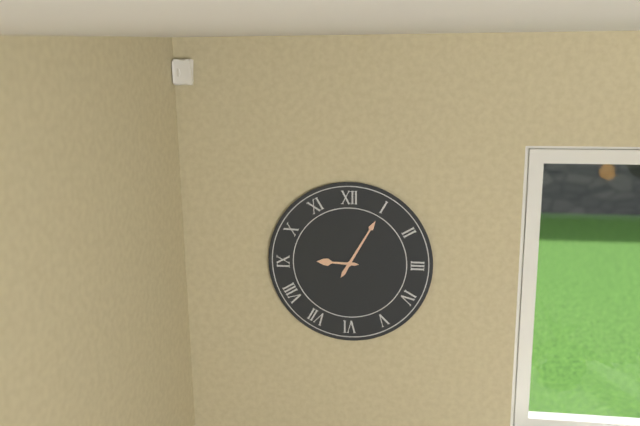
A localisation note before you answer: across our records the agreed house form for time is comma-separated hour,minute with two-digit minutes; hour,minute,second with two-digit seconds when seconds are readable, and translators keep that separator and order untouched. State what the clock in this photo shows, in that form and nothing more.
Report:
9,05
